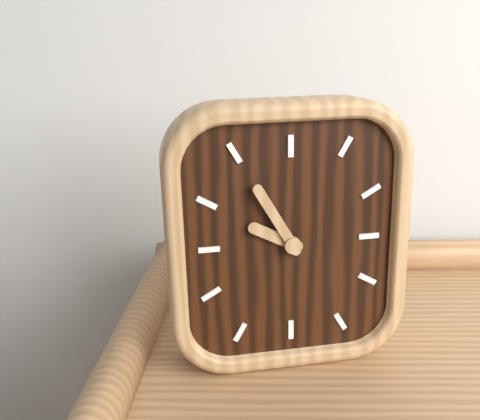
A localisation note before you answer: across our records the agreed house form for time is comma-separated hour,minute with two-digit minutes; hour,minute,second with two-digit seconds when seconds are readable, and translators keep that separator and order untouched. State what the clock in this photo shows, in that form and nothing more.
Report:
9,55
